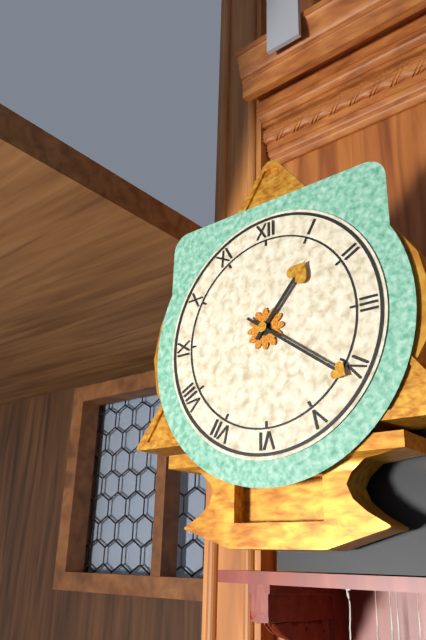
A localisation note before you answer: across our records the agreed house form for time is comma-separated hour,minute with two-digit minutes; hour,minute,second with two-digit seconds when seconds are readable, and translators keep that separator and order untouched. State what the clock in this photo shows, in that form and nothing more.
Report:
1,21
